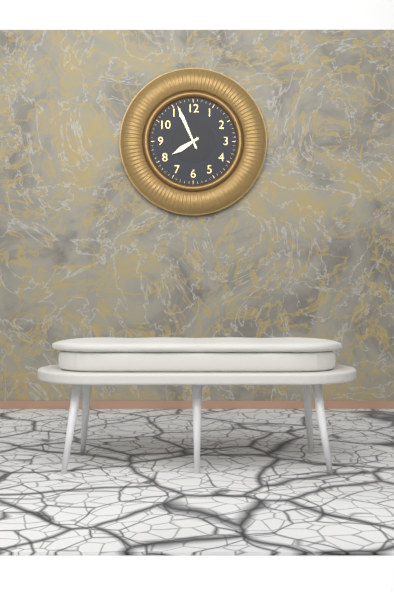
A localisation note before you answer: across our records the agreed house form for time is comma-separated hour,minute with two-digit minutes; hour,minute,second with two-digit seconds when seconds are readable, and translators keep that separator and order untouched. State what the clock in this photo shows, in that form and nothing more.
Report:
7,56
